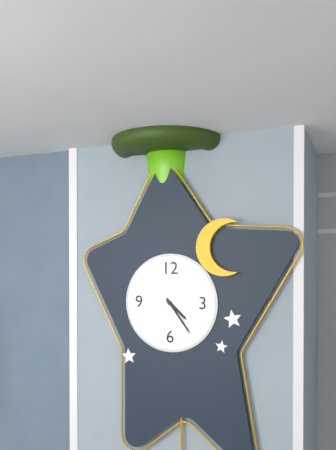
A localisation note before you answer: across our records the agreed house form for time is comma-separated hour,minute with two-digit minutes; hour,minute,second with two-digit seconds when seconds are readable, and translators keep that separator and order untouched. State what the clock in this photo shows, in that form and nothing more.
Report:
4,24
